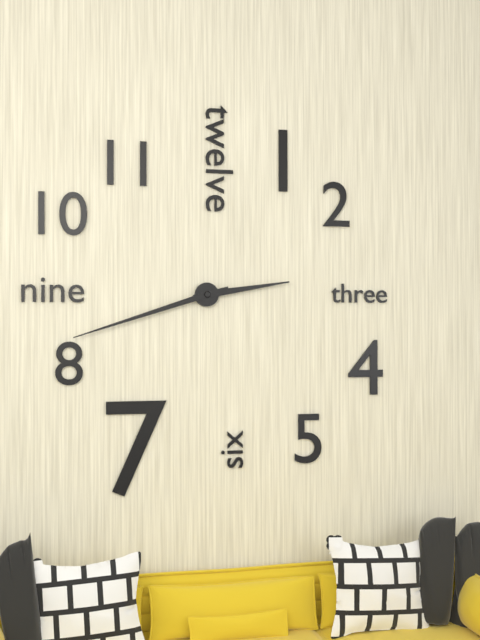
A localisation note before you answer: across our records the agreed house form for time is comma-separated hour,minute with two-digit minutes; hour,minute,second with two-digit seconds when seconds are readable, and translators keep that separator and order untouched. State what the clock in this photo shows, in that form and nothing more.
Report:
2,42
